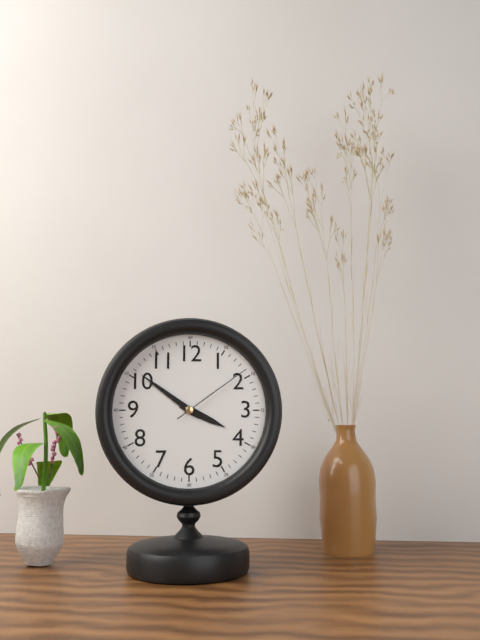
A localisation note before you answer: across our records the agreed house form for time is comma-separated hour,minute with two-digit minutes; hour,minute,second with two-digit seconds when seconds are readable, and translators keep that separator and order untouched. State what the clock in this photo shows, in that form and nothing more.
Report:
3,51,09
